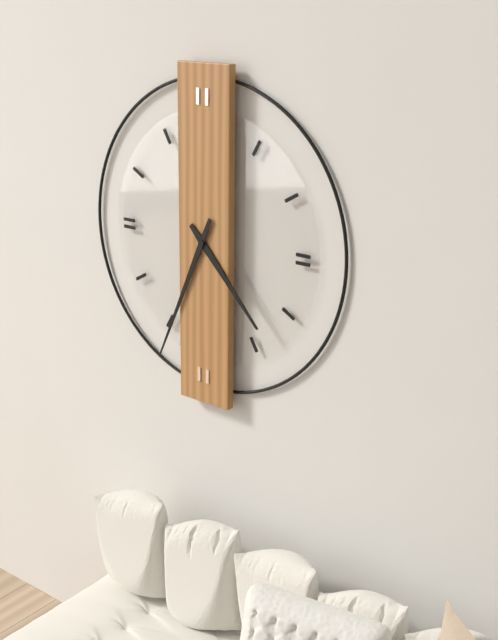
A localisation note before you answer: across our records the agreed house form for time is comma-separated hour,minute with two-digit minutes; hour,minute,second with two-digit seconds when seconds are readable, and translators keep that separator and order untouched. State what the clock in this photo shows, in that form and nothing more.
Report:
4,34
